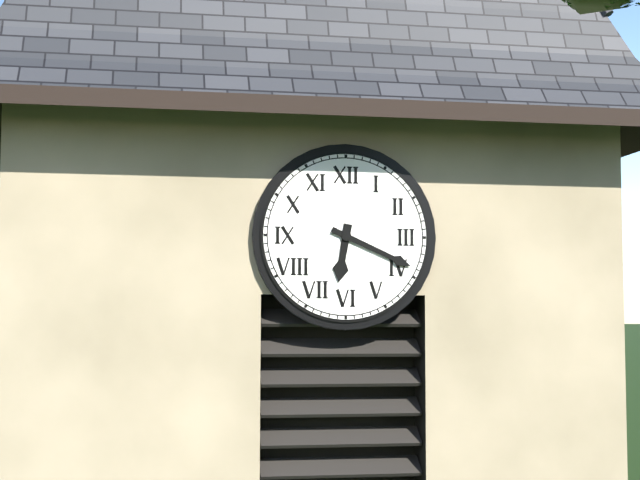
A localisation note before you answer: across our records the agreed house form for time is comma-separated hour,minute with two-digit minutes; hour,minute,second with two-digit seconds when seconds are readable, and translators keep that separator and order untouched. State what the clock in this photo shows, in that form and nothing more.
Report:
6,19
